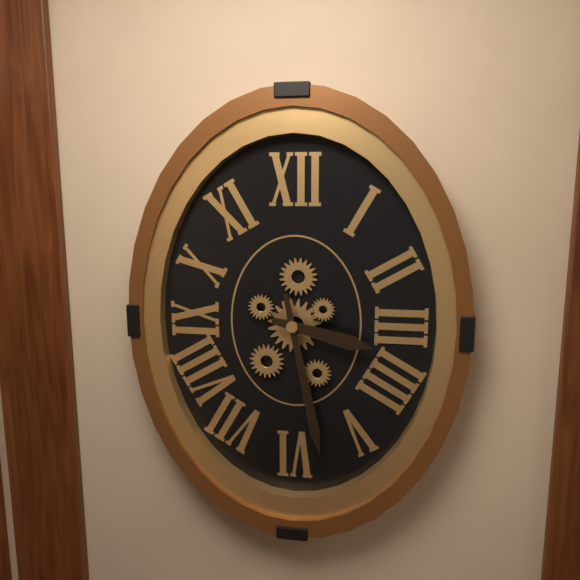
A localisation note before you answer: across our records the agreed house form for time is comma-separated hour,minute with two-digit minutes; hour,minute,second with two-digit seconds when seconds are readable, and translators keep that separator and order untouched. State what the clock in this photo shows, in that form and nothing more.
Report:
3,28
